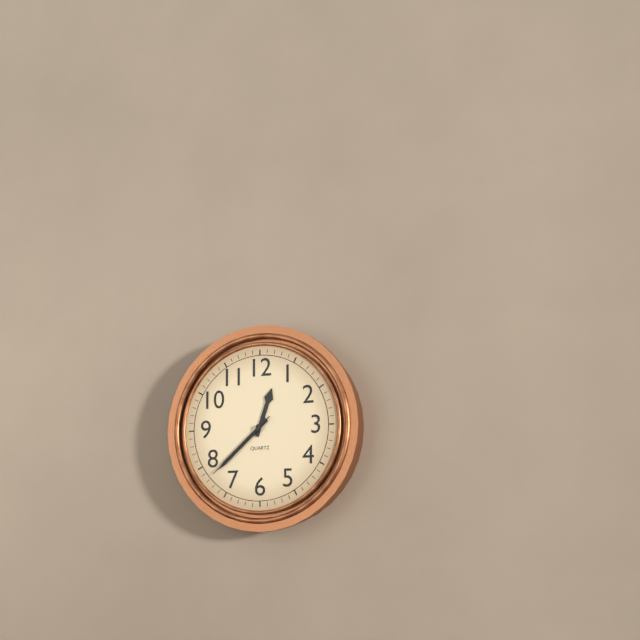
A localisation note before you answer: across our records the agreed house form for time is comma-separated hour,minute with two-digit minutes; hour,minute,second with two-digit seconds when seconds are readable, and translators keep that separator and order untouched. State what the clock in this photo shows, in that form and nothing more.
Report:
12,38,38
